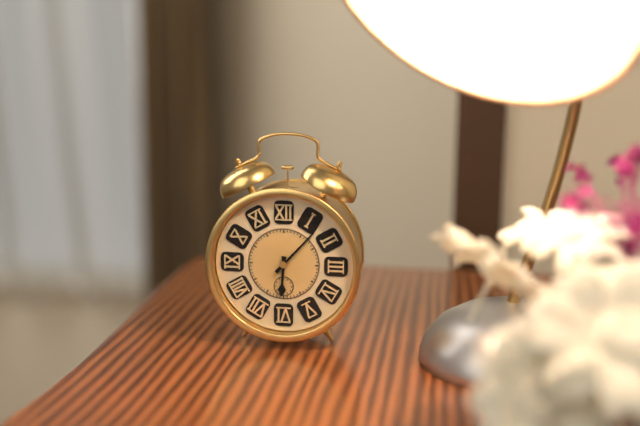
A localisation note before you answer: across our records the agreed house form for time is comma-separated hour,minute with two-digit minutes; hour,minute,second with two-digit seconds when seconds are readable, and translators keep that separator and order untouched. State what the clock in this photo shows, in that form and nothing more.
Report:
6,07
